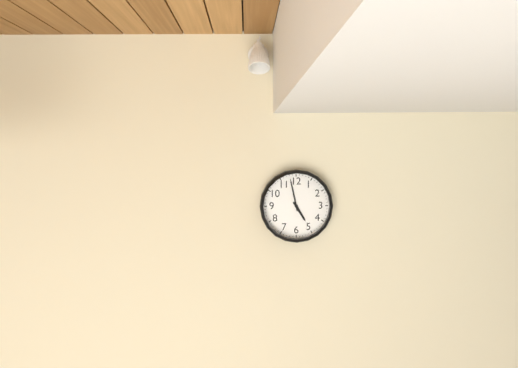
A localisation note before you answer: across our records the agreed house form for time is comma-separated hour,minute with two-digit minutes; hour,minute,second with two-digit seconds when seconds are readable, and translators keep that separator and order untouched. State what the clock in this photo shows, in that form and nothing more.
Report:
4,58
